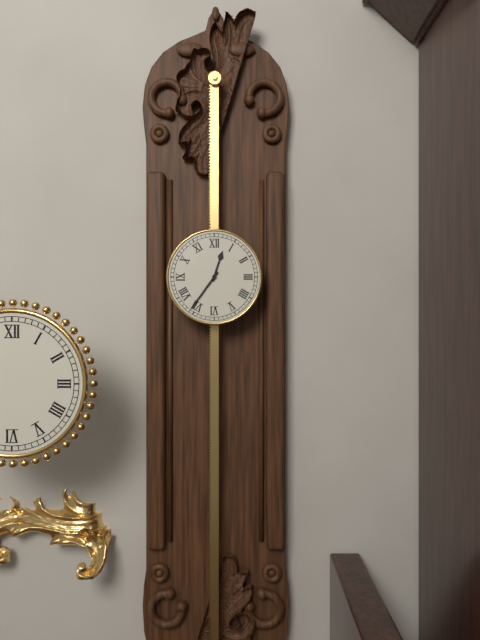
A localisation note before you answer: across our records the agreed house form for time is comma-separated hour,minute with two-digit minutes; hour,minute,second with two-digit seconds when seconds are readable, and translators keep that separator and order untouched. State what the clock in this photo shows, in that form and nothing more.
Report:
12,36
